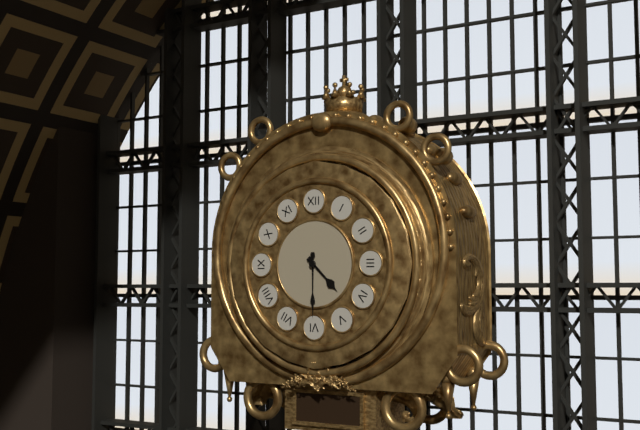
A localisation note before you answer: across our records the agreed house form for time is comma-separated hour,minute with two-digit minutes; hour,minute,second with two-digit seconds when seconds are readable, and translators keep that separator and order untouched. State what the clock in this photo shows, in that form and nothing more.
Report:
4,30
